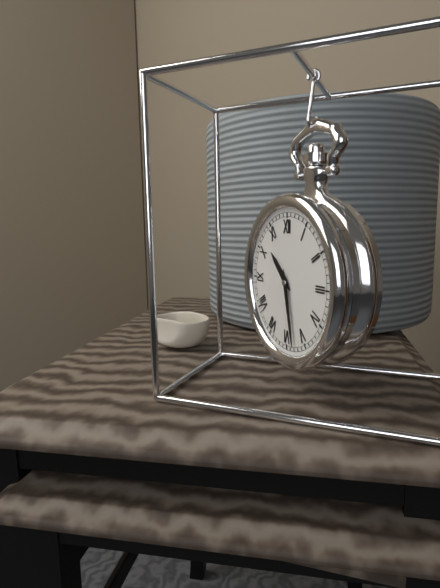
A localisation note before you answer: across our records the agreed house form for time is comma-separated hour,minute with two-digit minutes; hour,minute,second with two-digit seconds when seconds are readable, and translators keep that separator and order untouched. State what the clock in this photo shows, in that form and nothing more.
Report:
10,28
